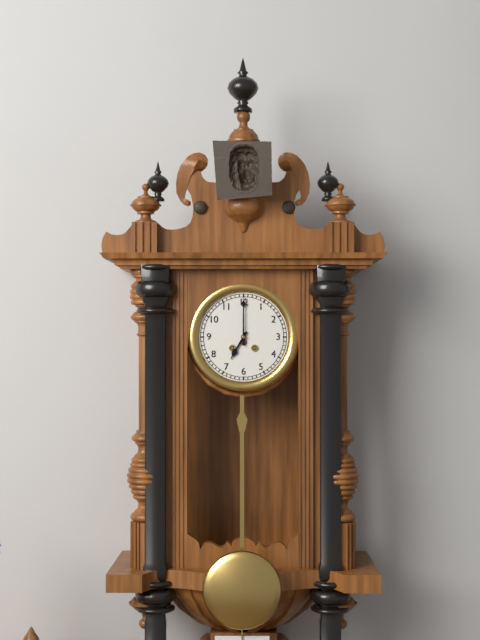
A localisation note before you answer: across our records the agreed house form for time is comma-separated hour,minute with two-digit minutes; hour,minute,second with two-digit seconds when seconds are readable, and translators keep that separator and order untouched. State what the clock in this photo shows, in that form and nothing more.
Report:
7,00
